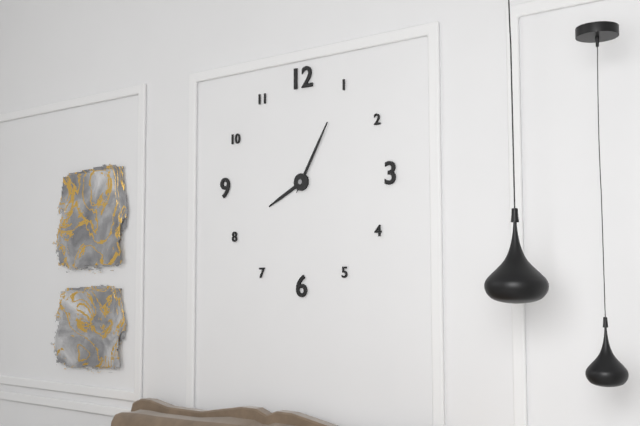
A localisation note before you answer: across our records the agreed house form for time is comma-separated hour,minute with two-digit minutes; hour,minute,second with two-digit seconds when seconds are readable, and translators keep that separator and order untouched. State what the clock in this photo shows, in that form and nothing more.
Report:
8,05
